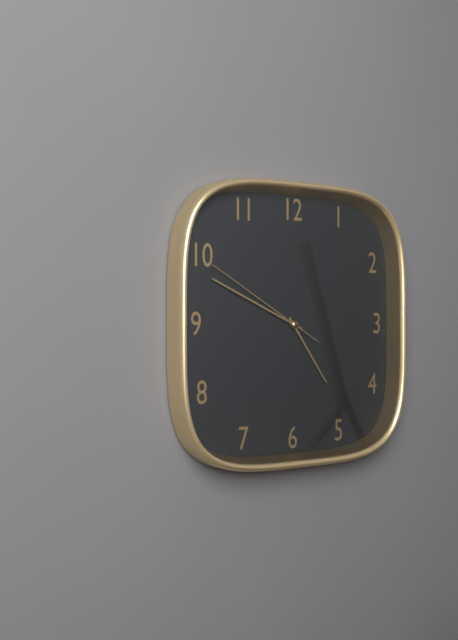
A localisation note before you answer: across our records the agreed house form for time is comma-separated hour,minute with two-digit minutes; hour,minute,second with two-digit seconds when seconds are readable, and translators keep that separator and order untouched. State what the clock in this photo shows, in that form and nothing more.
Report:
4,49,50
